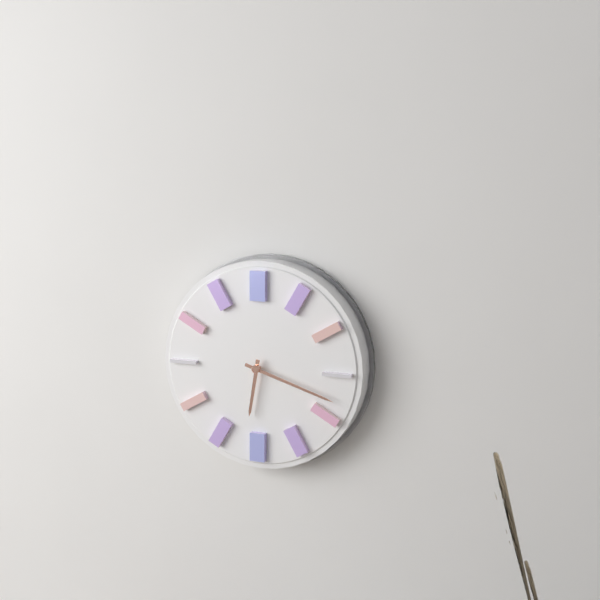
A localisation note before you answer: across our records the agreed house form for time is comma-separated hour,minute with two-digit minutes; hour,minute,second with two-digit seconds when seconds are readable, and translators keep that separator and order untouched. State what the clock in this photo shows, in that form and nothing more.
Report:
6,18
